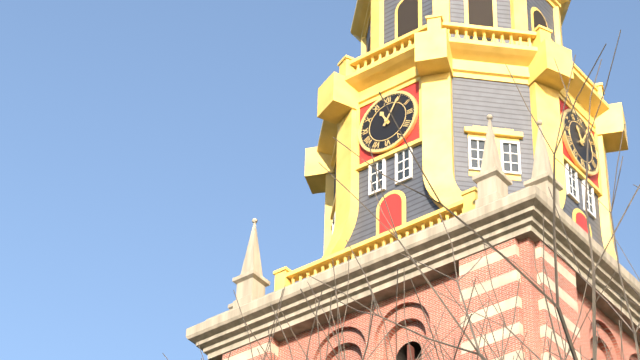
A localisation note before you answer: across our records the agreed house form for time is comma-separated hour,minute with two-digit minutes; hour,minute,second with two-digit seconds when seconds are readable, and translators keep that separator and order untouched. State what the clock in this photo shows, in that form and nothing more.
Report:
11,05
